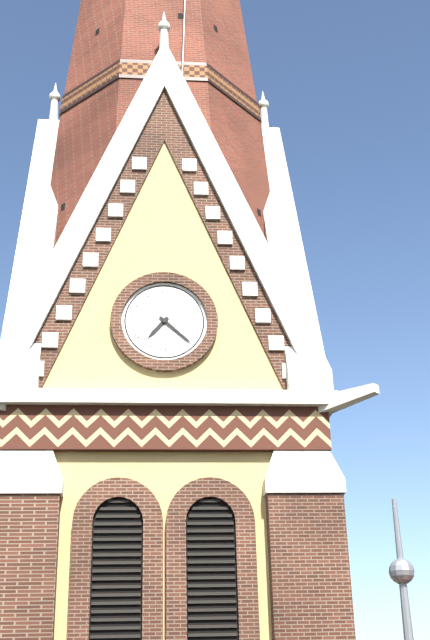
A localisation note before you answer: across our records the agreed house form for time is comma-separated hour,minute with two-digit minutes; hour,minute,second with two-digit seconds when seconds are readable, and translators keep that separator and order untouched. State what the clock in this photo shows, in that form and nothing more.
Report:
7,22
